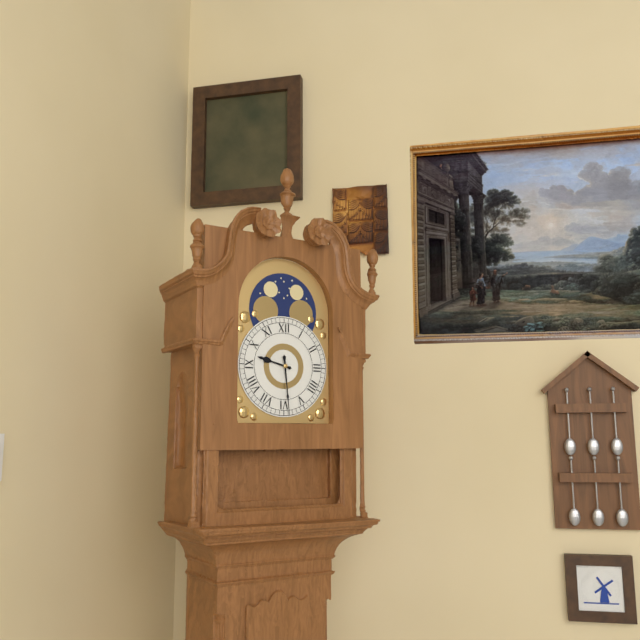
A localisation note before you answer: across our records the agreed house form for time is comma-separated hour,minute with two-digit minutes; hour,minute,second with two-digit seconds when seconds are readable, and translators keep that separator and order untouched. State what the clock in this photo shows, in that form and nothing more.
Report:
9,29
